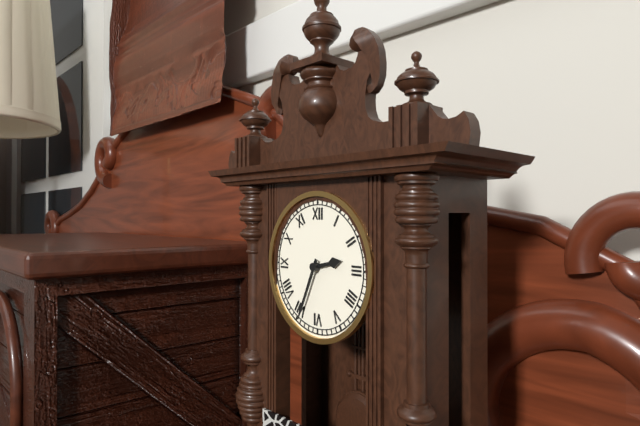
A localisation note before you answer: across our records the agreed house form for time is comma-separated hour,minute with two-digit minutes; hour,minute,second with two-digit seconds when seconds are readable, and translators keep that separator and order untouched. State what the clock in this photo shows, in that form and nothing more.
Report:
2,34
